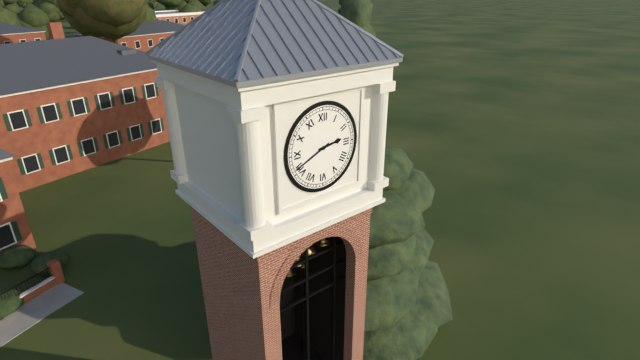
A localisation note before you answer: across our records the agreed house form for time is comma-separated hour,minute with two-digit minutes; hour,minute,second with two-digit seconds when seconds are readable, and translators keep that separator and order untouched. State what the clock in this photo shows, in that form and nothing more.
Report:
2,41
